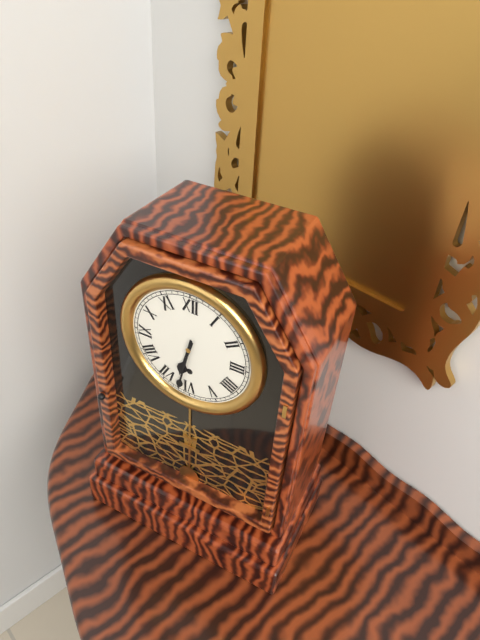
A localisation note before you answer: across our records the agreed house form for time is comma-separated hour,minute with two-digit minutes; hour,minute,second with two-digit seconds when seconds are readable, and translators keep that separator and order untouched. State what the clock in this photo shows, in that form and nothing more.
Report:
6,32
